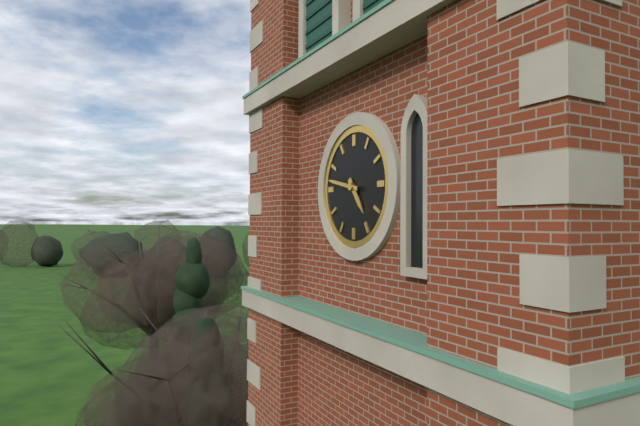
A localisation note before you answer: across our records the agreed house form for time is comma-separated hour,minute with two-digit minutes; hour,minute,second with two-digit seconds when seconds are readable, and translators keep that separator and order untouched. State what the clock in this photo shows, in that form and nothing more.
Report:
4,47
